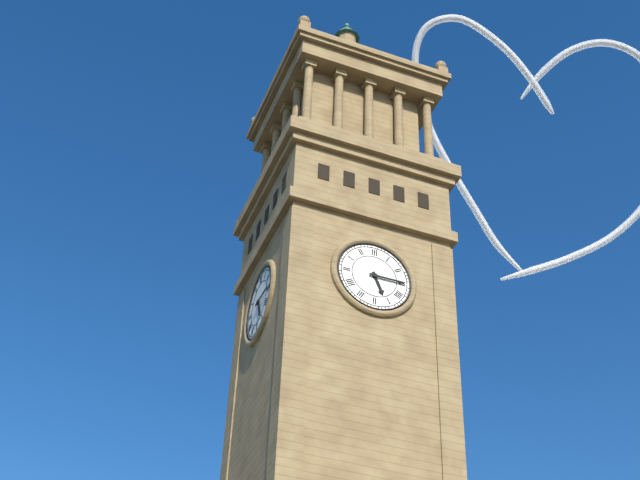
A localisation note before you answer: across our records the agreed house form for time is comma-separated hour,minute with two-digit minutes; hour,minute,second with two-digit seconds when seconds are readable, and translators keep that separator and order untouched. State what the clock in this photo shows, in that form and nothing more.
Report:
5,15
